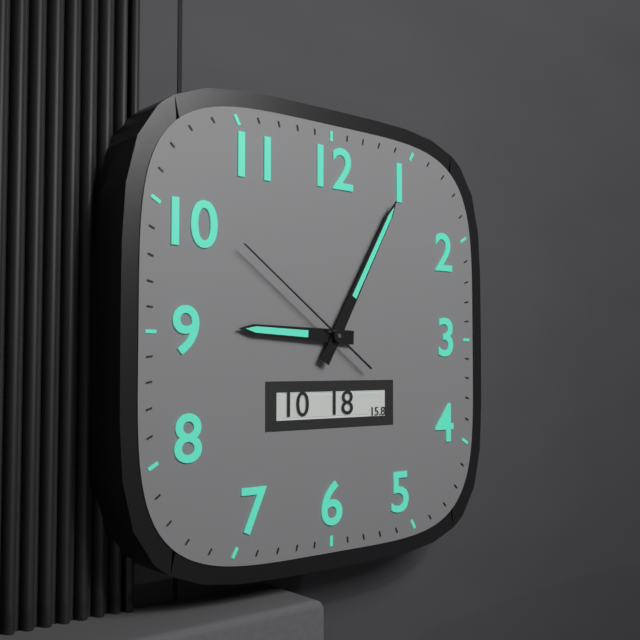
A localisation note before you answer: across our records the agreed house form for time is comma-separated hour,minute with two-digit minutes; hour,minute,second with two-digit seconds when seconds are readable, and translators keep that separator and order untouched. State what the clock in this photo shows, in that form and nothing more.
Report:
9,05,51
